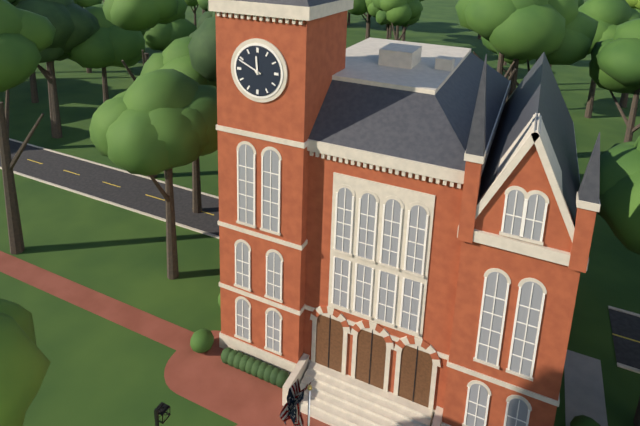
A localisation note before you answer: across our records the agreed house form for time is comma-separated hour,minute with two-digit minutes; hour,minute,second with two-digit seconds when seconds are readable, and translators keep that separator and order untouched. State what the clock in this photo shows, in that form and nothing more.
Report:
11,49
